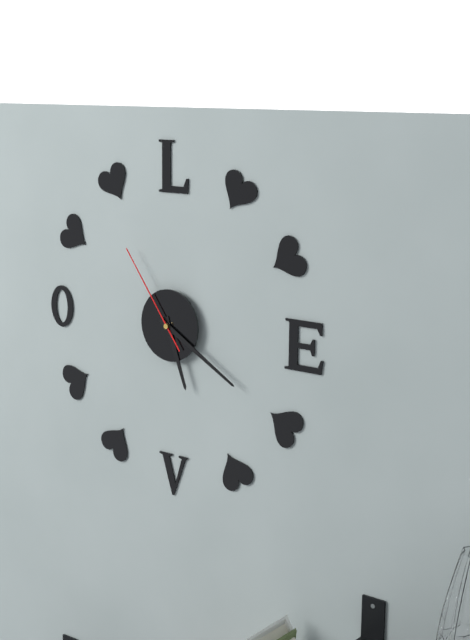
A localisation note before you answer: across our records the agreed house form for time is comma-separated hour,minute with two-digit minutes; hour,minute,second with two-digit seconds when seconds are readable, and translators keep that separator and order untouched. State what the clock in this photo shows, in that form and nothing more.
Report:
5,20,54
